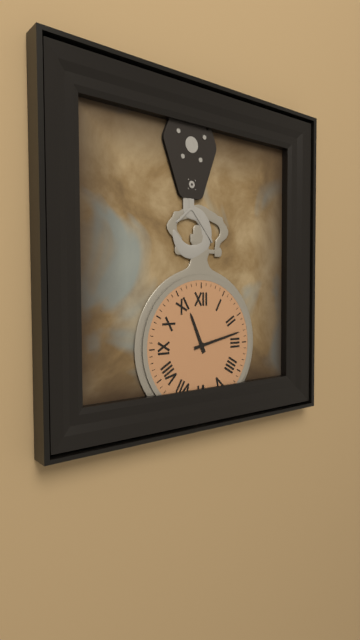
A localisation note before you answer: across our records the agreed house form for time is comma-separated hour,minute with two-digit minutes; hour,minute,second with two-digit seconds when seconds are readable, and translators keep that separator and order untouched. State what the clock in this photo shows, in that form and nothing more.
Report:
11,13
